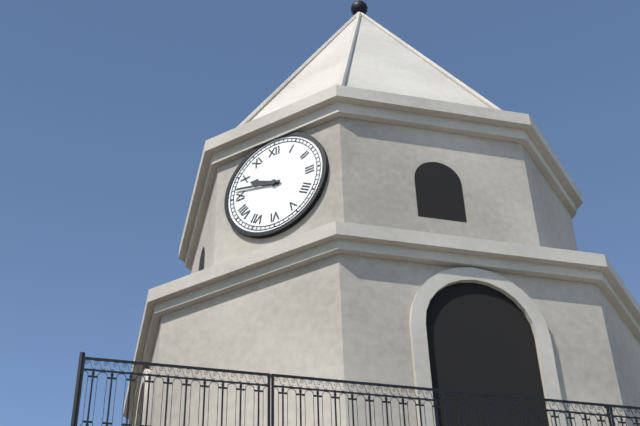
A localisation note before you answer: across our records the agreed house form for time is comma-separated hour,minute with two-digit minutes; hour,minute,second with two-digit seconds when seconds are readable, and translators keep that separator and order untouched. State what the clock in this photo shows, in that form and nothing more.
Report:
9,47
